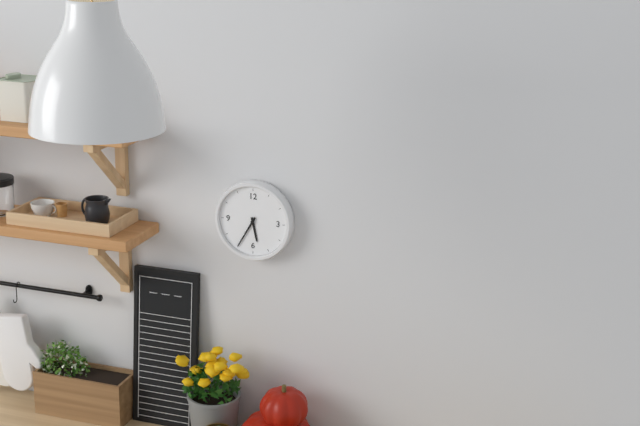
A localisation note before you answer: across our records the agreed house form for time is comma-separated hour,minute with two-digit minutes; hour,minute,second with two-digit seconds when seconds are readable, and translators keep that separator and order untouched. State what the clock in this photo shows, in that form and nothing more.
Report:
5,35
